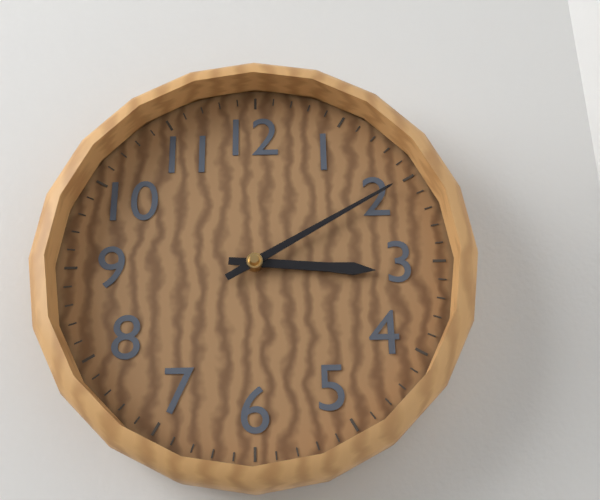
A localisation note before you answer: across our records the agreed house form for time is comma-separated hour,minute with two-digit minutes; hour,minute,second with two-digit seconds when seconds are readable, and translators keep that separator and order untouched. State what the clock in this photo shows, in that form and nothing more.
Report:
3,10
